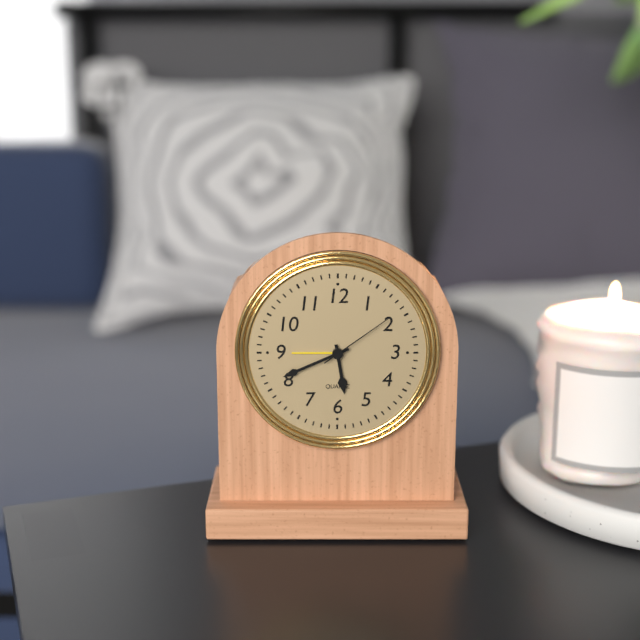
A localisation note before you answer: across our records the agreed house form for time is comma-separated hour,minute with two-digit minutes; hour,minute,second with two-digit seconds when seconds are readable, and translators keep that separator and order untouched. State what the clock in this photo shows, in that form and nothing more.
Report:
5,41,09
